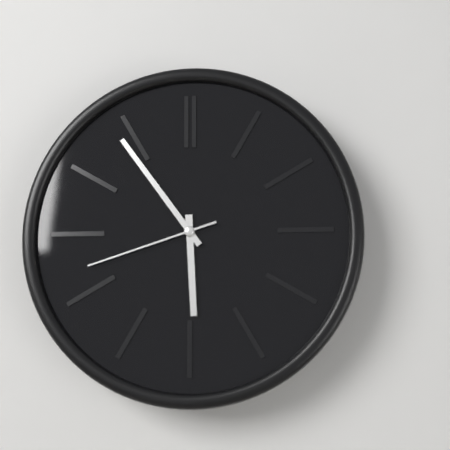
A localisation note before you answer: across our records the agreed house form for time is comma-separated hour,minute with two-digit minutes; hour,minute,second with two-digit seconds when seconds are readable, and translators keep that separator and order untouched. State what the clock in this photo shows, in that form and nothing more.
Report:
5,54,42
